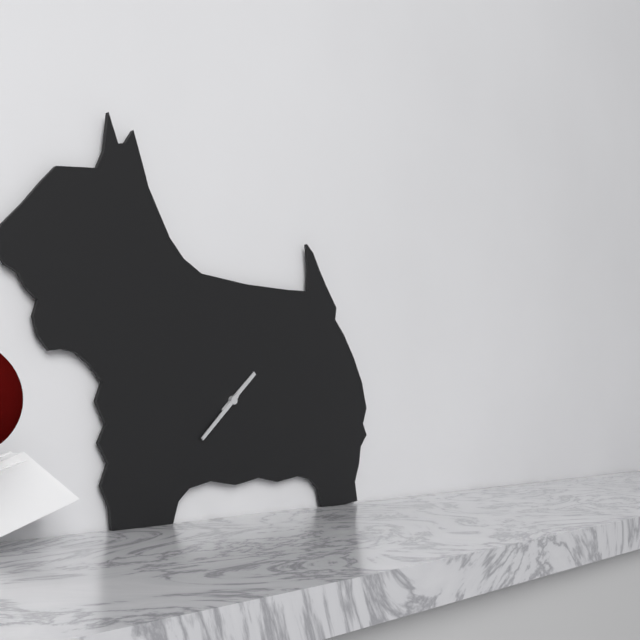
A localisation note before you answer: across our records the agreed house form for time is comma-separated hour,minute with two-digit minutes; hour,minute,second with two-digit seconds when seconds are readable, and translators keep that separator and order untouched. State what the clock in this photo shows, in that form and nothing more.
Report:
1,38
